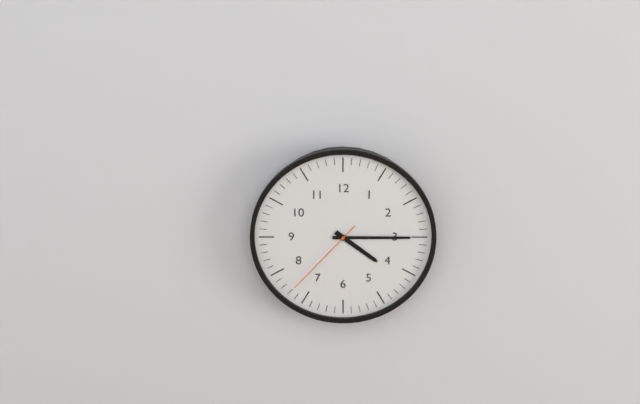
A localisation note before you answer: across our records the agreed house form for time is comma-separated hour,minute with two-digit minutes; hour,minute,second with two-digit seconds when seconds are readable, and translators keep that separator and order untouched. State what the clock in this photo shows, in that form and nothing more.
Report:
4,15,37
